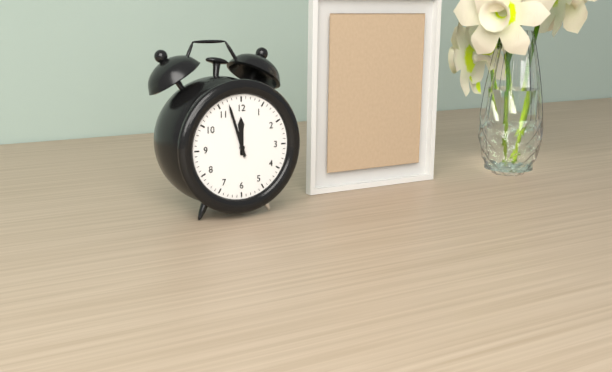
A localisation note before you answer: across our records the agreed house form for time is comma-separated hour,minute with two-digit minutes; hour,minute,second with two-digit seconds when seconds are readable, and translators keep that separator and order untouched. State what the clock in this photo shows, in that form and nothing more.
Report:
11,57
